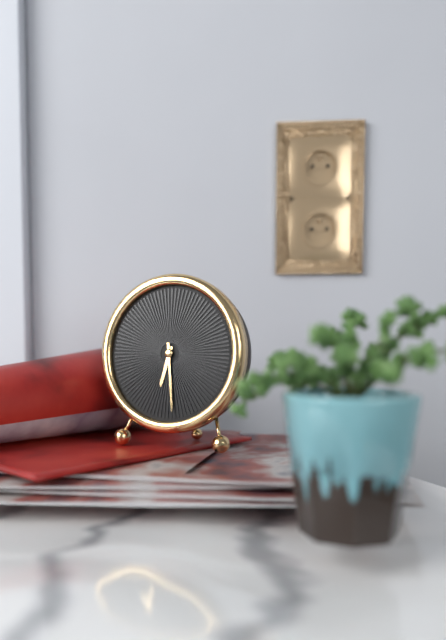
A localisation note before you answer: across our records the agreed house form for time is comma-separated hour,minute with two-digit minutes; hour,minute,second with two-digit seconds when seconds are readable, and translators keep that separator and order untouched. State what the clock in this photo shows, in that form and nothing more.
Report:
6,29
